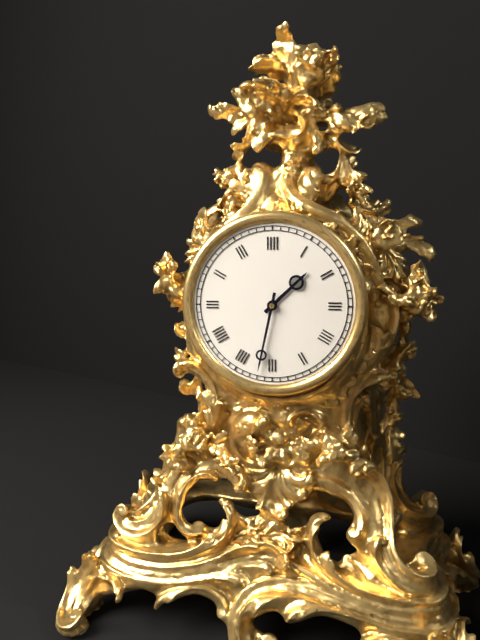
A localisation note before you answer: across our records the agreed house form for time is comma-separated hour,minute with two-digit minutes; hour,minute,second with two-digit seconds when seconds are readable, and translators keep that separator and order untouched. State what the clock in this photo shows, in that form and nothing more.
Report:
1,32
